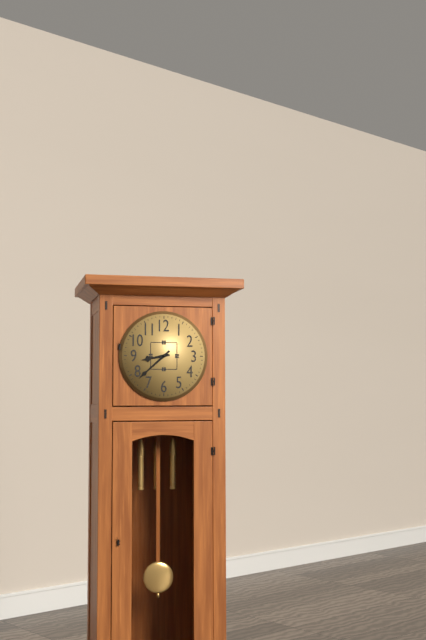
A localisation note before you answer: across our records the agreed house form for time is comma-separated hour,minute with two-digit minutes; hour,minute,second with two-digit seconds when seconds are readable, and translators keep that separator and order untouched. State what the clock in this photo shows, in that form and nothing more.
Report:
8,38
